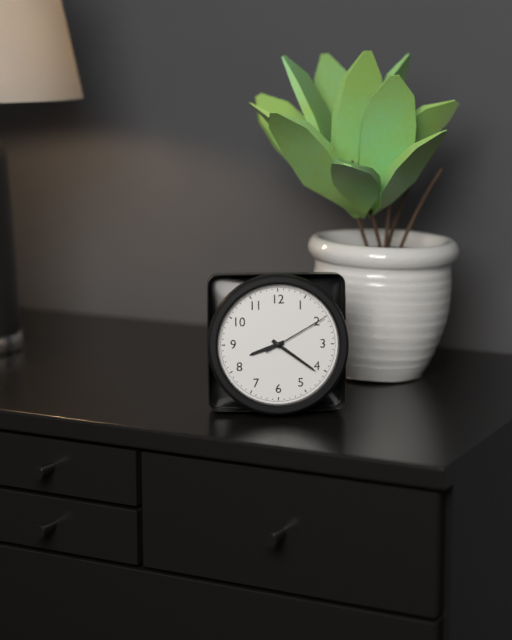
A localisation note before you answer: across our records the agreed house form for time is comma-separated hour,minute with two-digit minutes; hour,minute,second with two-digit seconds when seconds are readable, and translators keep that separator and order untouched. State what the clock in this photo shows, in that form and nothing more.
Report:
8,21,10
